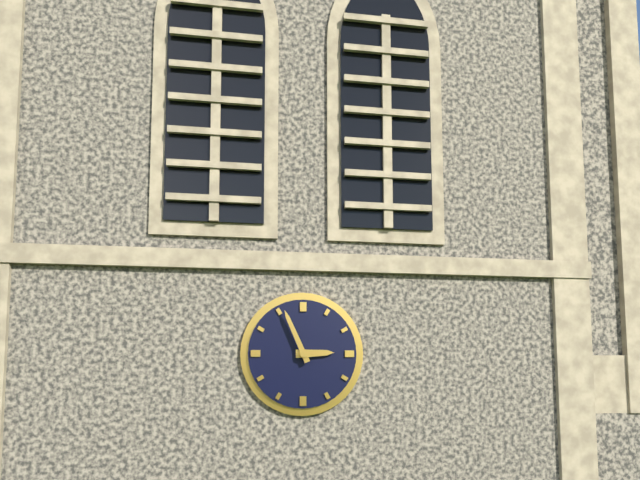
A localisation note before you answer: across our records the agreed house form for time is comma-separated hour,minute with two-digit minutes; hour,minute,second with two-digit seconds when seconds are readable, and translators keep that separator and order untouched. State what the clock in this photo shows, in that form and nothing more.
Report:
2,56
